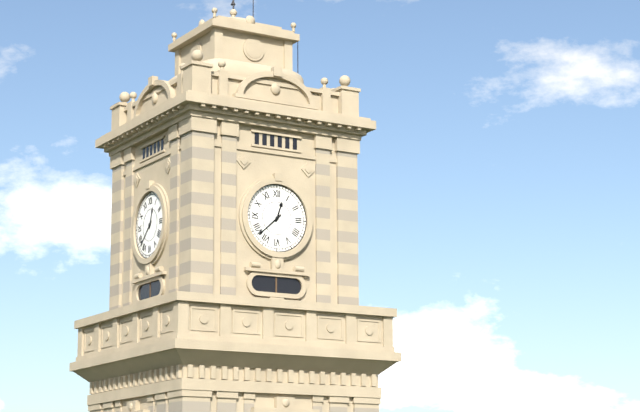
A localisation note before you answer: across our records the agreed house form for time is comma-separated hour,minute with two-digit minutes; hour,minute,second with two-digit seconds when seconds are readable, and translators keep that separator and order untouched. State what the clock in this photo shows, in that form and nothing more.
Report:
12,38
